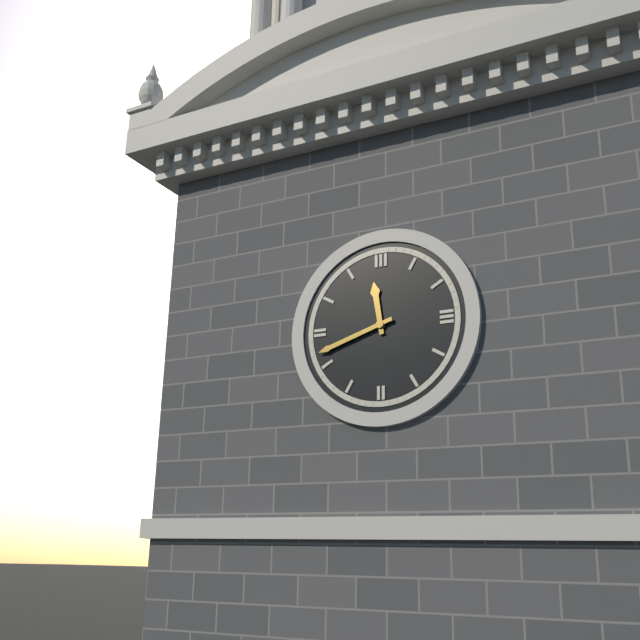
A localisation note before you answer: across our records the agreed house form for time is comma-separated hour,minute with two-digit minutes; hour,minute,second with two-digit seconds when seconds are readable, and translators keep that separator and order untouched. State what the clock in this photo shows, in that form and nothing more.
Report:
11,42
